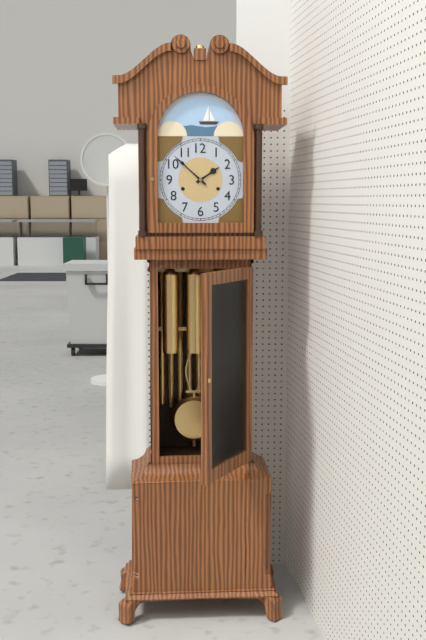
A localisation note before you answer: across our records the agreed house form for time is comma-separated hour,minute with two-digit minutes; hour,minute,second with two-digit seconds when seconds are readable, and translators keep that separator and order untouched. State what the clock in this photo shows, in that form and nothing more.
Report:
1,52
